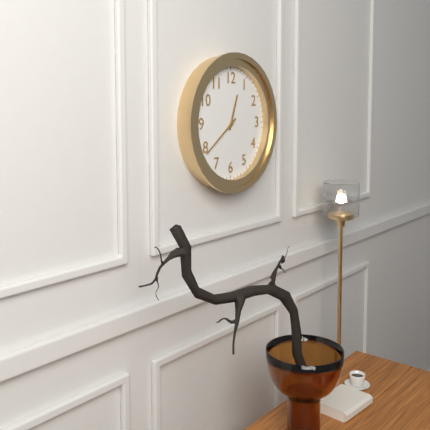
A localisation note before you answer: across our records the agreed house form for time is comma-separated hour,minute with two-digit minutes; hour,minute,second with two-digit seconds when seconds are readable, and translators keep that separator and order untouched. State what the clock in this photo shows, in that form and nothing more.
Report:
12,39
